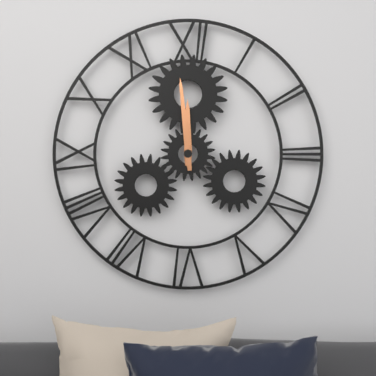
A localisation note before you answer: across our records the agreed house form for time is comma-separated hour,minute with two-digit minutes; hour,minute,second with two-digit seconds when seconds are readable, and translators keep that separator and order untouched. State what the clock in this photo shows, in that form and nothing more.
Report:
11,59
